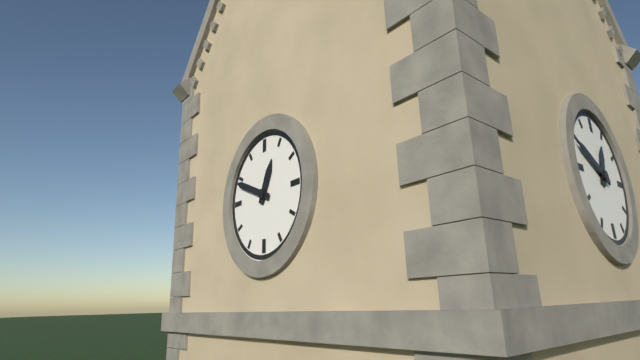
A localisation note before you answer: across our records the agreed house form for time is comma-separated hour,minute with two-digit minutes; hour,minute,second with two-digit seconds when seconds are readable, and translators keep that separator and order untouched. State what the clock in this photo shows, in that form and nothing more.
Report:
12,49
